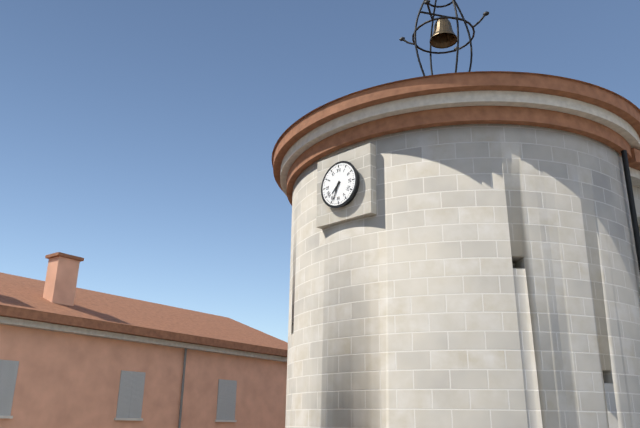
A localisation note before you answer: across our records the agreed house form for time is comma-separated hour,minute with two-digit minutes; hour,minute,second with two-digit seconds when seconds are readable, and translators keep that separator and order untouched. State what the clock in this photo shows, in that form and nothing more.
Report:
7,34
